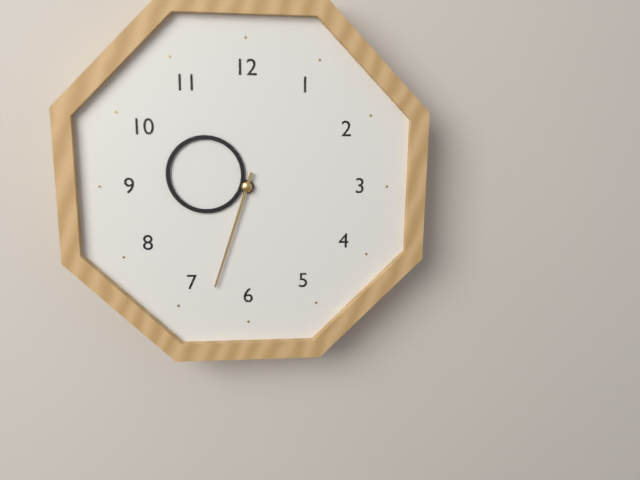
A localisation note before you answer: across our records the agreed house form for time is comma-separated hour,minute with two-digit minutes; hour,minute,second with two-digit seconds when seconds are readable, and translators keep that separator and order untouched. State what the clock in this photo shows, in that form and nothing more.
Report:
9,33
